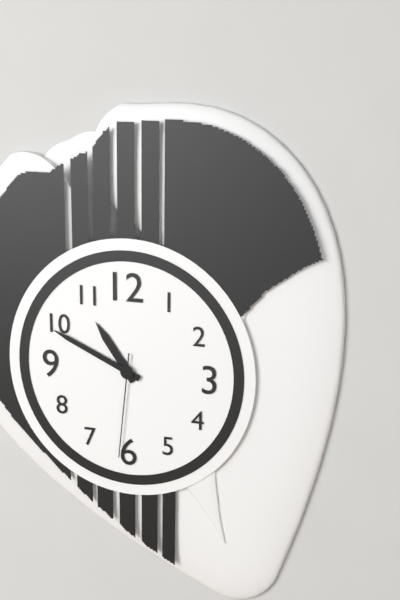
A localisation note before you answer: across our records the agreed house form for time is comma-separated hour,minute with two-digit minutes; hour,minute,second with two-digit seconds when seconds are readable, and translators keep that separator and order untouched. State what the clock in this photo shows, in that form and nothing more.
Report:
10,49,31
